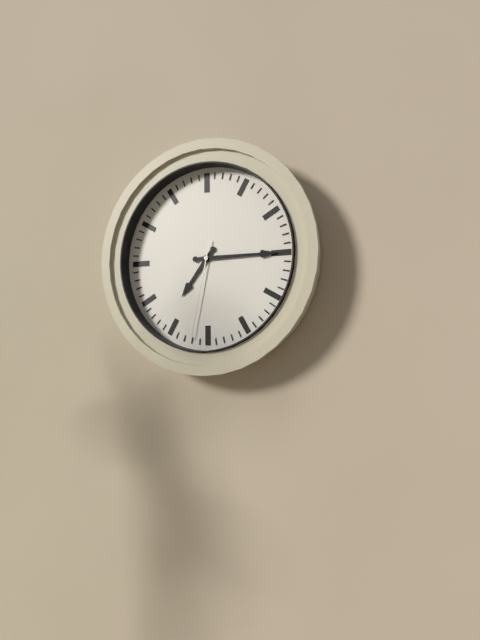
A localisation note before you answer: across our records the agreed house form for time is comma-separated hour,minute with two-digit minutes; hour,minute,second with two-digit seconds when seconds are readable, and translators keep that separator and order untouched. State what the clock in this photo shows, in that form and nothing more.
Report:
7,15,32
